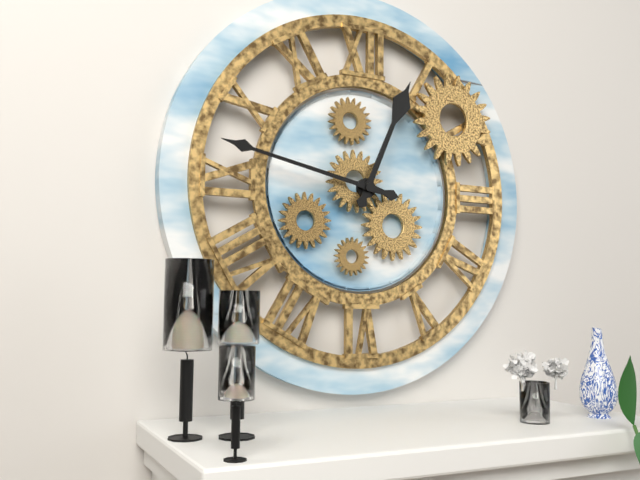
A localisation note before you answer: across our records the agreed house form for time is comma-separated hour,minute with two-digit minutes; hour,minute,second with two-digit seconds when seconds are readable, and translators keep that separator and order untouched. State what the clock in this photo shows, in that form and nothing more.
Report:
12,47
